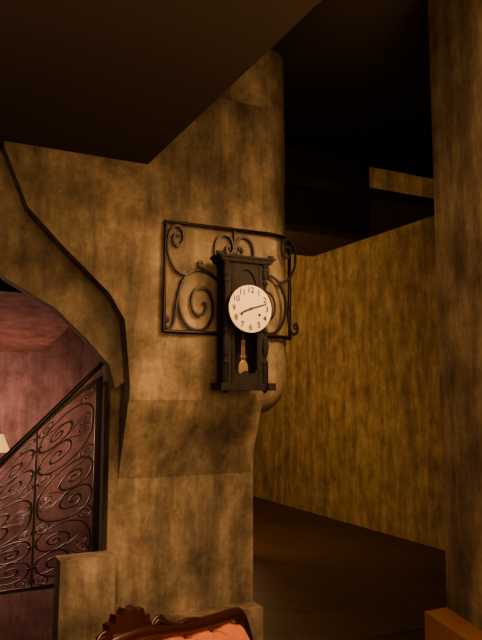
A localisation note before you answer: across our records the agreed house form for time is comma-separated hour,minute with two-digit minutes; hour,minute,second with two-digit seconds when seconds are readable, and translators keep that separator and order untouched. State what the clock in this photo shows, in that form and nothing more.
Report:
8,12
